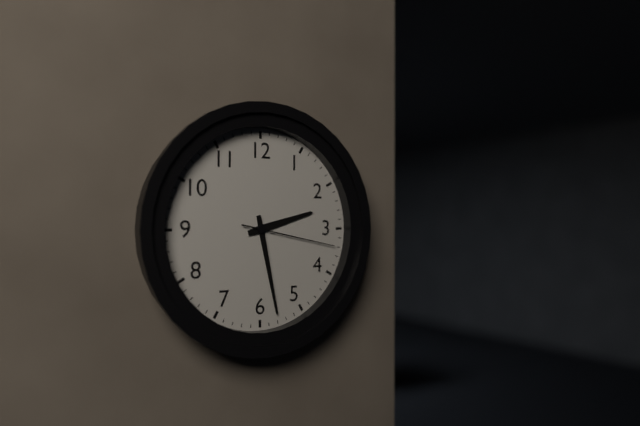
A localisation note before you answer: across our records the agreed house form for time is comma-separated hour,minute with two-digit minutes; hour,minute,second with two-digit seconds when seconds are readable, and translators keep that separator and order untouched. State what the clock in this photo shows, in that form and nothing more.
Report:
2,28,17
